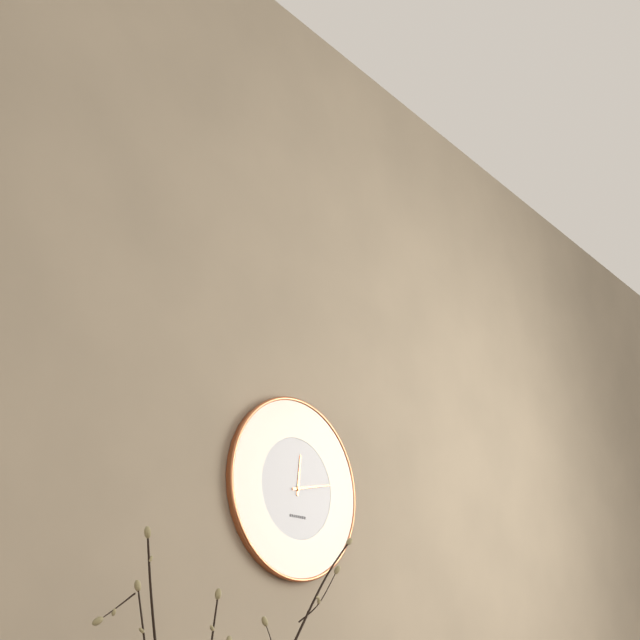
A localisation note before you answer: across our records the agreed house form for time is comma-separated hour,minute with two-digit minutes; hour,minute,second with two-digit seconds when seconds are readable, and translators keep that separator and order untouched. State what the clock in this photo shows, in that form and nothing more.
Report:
12,13
